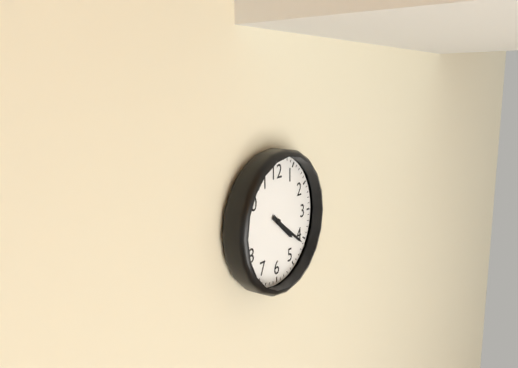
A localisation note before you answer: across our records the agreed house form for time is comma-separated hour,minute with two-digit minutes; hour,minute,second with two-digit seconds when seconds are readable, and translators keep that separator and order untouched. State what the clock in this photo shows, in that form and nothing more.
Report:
4,21
